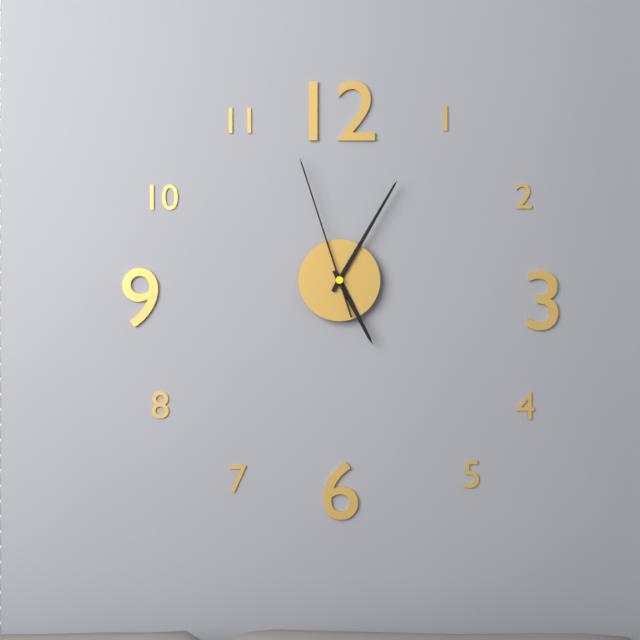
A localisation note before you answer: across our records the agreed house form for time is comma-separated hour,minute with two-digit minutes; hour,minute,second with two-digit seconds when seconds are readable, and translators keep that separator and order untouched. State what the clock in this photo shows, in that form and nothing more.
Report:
5,05,57
